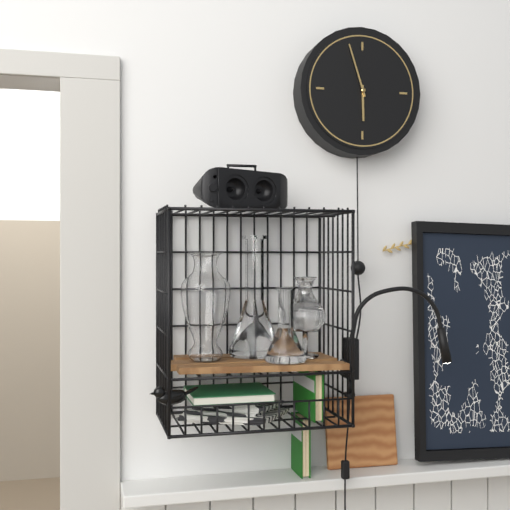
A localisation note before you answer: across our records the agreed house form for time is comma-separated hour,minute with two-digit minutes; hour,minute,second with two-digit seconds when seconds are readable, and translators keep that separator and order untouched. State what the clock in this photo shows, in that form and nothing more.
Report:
5,57
